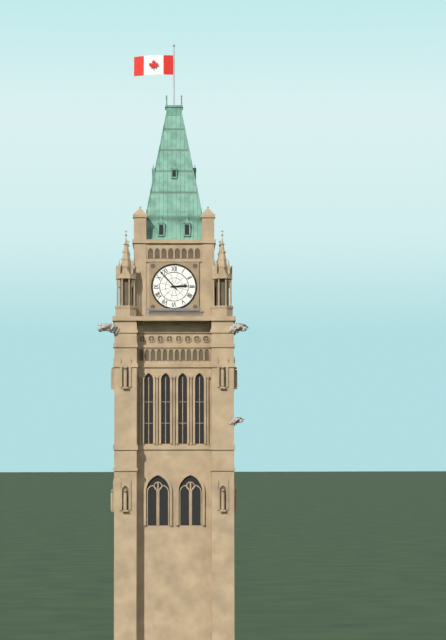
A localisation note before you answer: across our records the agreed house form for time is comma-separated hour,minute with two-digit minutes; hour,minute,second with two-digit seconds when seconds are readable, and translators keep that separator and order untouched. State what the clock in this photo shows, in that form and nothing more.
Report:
2,53
